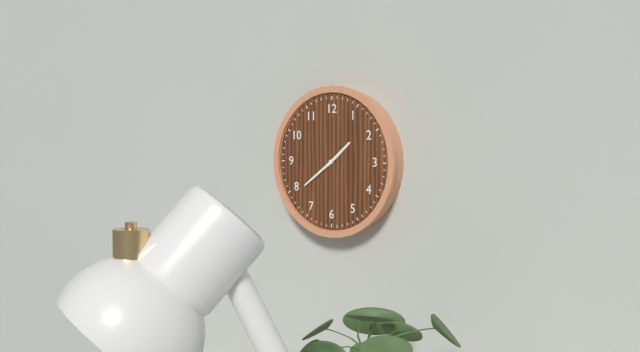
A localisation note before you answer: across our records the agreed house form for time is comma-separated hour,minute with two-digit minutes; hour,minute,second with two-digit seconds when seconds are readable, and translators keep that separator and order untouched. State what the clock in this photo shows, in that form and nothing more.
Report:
1,39
